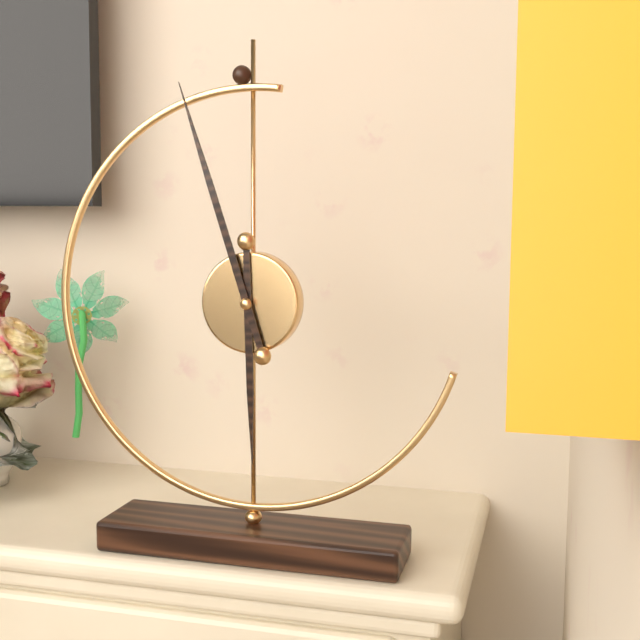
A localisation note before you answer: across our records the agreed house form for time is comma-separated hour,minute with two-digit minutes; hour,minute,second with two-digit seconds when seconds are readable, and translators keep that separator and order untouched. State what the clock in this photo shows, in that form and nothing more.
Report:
5,57
